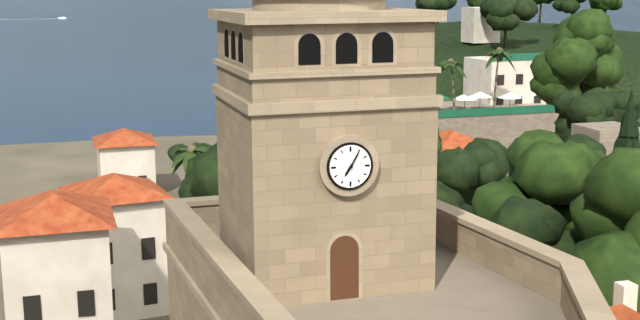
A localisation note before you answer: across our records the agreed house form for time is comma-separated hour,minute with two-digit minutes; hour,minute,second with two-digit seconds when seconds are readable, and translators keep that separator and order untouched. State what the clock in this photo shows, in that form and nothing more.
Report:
7,05
